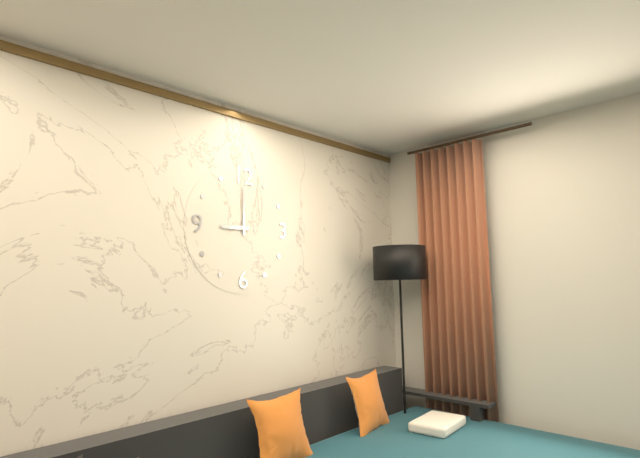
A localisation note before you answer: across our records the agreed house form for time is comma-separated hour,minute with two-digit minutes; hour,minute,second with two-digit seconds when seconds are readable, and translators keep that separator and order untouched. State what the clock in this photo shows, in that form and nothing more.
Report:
9,00
